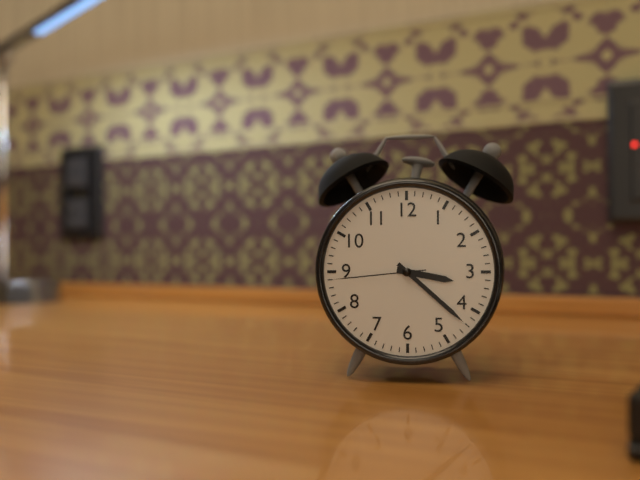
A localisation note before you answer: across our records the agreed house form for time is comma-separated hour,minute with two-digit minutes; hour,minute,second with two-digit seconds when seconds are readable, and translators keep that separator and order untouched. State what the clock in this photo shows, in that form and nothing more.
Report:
3,22,44
